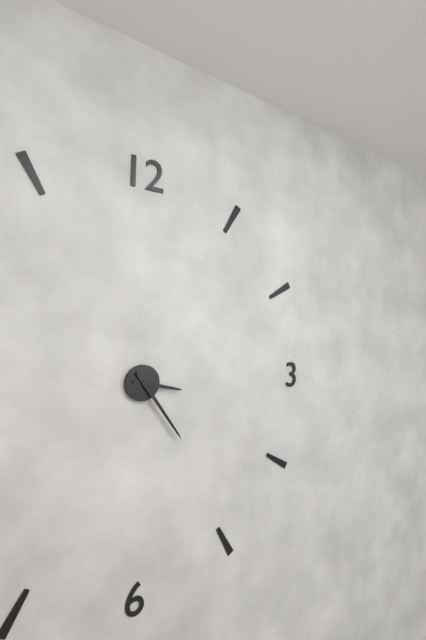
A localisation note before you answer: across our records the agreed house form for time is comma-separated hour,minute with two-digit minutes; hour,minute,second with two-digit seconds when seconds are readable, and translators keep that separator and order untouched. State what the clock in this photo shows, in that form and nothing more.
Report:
3,24
